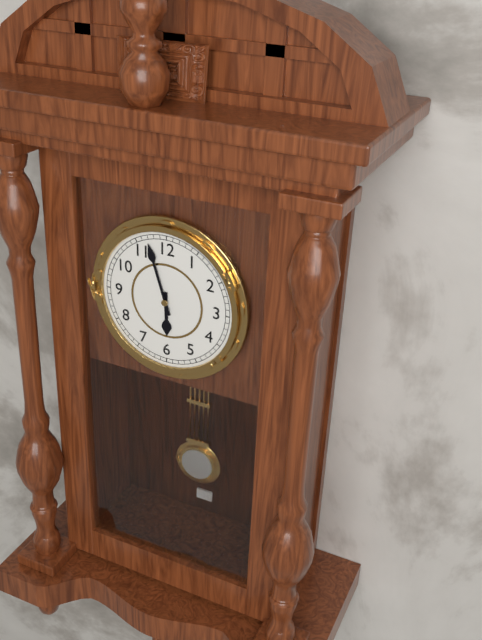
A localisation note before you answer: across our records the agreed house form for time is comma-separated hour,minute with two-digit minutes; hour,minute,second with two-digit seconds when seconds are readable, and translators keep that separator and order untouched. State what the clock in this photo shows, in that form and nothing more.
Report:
5,57
